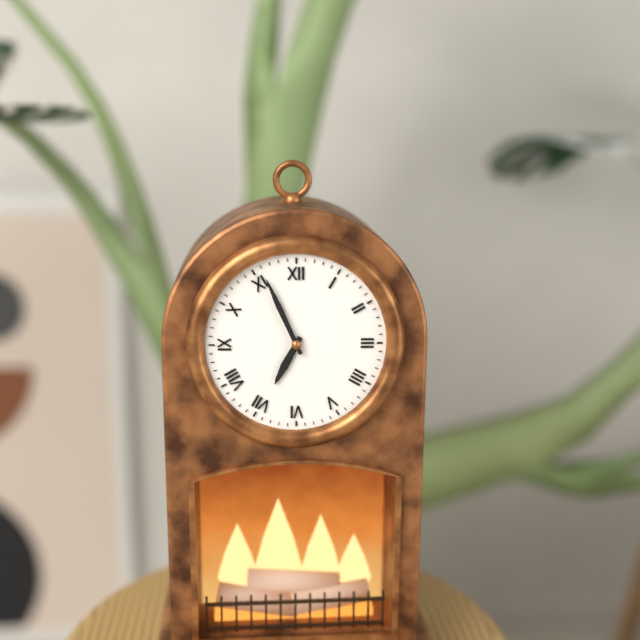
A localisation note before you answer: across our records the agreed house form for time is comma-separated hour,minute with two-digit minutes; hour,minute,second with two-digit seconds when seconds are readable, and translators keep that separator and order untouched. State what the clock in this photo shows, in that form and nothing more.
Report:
6,56
